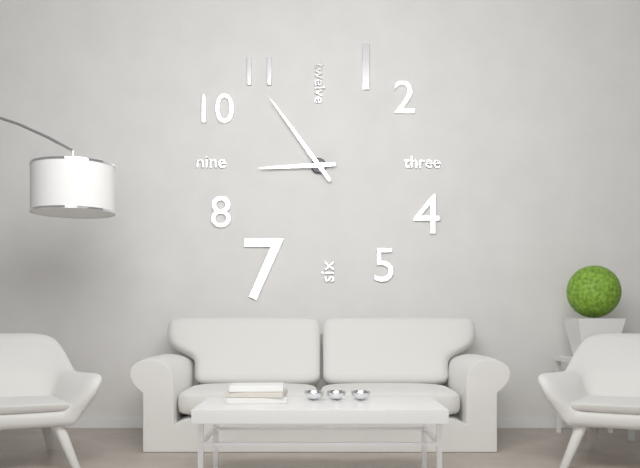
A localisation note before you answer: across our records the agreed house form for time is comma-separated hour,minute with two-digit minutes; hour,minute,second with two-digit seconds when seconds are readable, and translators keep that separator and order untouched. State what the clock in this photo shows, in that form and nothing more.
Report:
8,54
